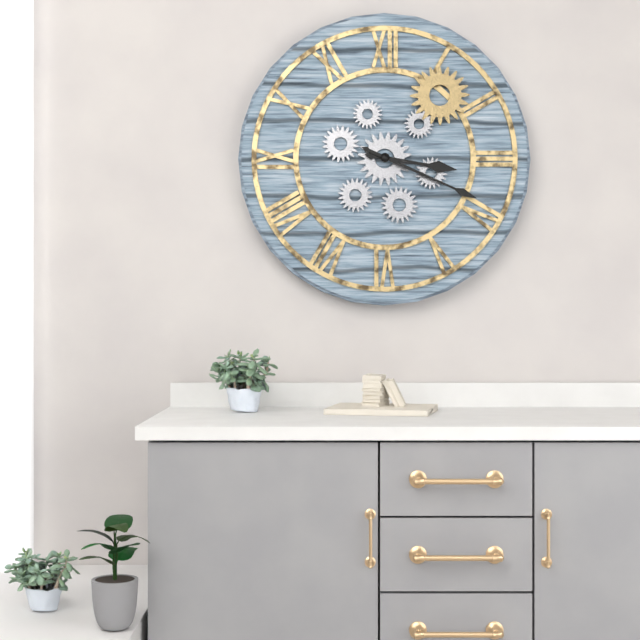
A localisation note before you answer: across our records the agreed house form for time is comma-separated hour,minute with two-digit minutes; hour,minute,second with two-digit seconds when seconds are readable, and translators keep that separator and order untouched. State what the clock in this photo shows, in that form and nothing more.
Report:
3,19
